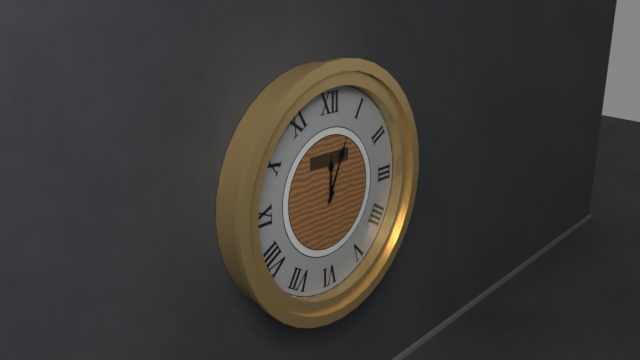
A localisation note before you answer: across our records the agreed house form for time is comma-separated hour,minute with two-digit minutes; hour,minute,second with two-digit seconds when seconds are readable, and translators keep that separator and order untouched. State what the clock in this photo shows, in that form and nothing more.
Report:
12,04
